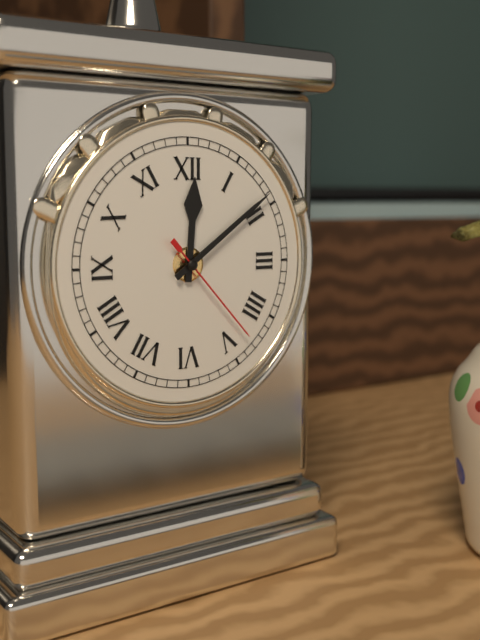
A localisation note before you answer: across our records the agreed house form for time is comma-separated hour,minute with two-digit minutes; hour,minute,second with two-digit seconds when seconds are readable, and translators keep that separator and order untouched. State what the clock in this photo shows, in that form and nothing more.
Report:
12,09,23
